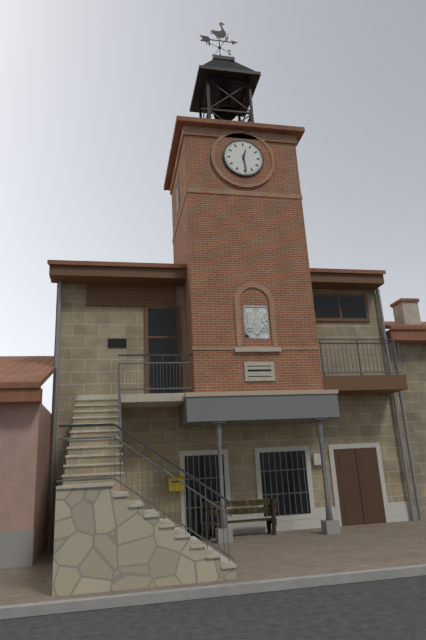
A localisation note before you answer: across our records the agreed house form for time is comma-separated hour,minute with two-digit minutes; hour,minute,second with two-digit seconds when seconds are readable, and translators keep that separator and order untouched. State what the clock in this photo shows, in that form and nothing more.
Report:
12,29
